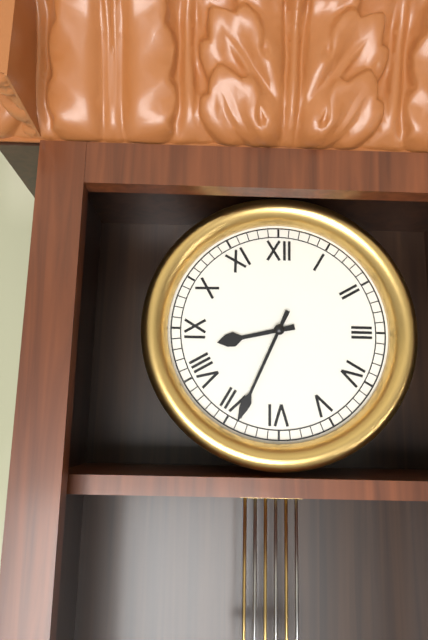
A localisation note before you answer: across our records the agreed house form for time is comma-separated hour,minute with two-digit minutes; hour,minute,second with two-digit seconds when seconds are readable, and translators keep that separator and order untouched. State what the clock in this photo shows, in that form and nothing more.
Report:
8,34
